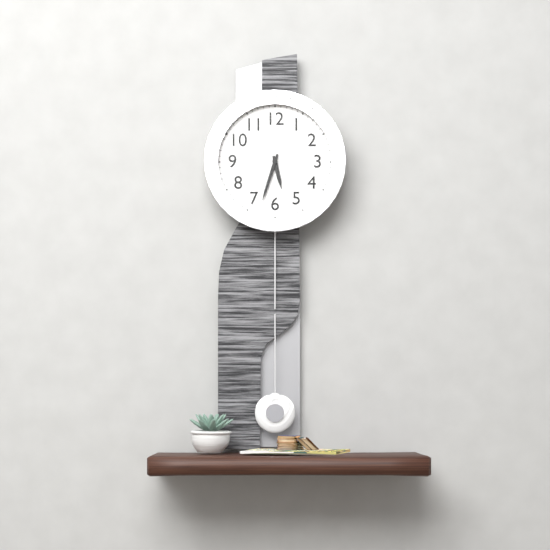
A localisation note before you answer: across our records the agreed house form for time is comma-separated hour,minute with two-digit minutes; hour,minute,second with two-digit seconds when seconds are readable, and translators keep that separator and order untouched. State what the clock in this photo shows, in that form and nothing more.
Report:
5,33
